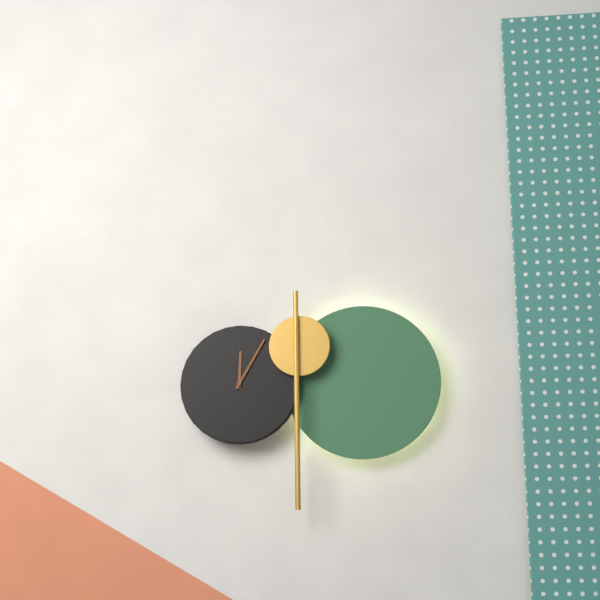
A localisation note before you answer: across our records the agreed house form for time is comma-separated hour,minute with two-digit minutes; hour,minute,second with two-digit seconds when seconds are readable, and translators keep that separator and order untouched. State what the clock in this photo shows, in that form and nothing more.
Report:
12,05
